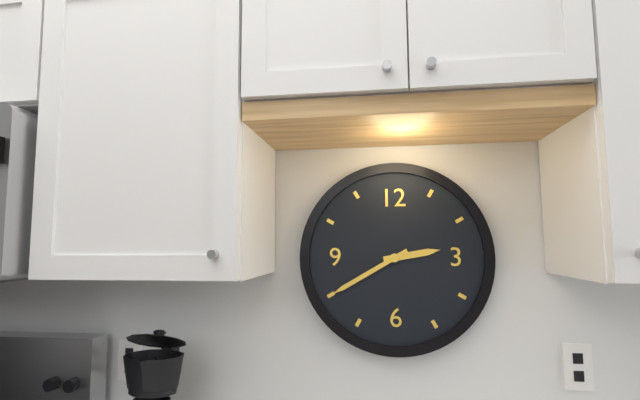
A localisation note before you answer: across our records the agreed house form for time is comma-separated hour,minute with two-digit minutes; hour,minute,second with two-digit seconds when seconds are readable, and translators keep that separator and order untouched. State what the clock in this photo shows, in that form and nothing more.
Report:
2,40
